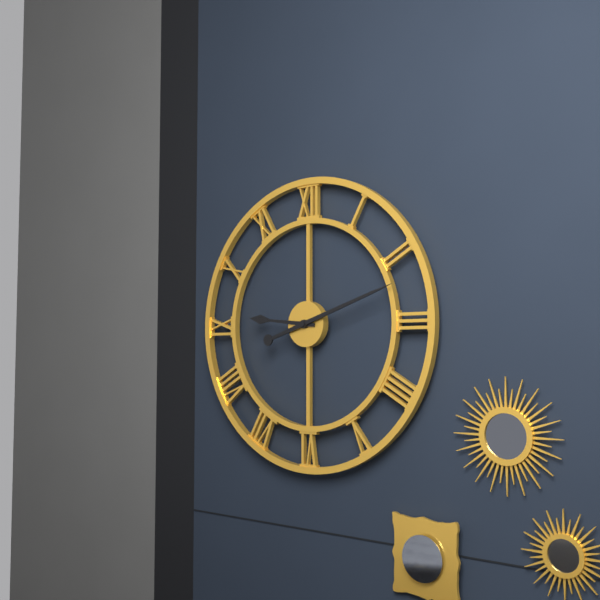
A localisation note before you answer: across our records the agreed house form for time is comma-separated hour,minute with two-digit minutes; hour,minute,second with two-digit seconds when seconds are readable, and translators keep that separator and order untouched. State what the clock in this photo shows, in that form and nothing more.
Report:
9,12
